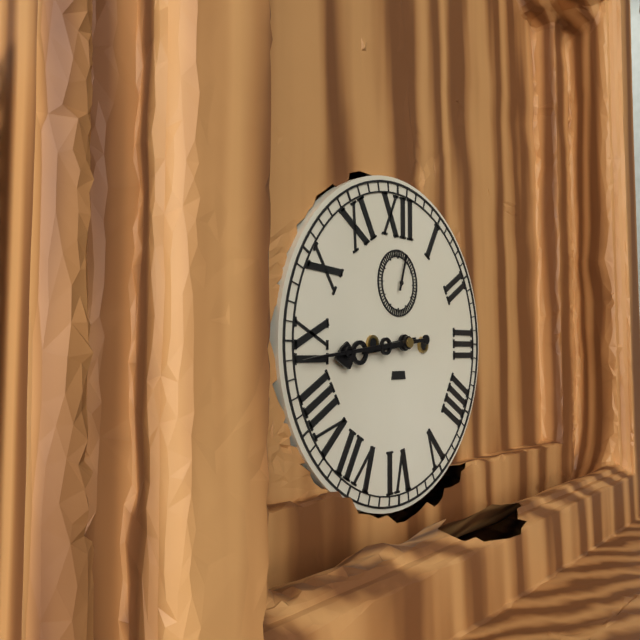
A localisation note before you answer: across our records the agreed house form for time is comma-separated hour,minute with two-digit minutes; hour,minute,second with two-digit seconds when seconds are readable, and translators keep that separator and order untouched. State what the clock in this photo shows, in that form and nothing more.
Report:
8,44
